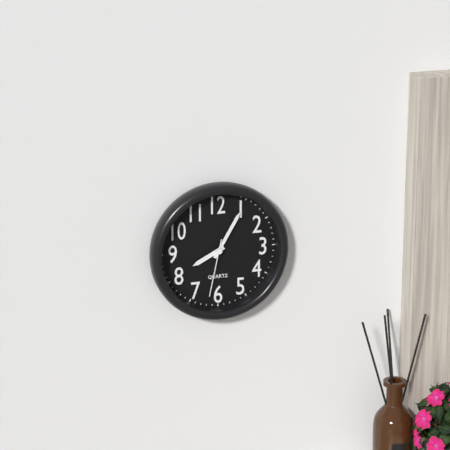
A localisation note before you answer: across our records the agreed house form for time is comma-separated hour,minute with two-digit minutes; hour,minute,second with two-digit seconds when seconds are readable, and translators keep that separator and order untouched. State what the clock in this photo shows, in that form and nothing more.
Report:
8,05,32
